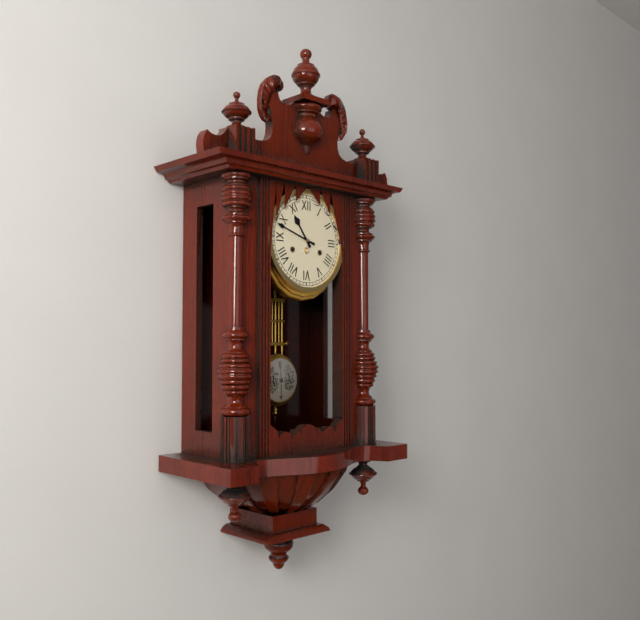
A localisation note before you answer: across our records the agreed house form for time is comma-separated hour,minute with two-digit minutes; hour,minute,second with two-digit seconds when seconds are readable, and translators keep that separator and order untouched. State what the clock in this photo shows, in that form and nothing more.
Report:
10,48
